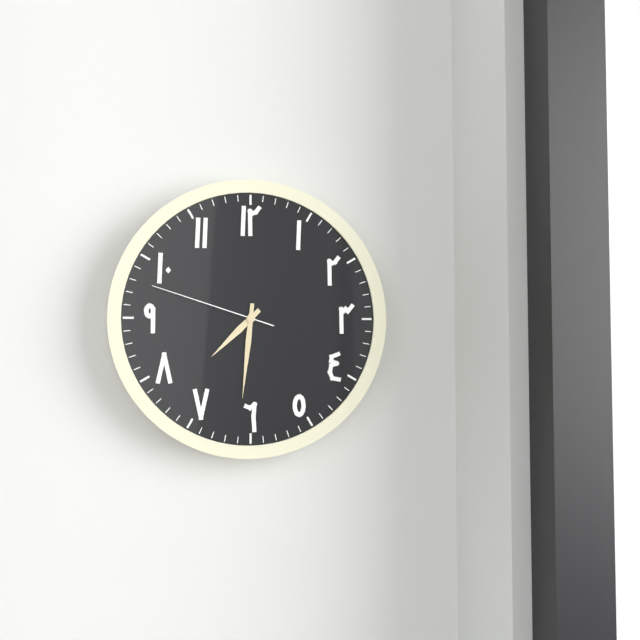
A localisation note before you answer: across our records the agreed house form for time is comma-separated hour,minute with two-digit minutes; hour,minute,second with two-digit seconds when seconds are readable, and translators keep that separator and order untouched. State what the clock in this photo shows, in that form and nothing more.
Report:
7,31,48
